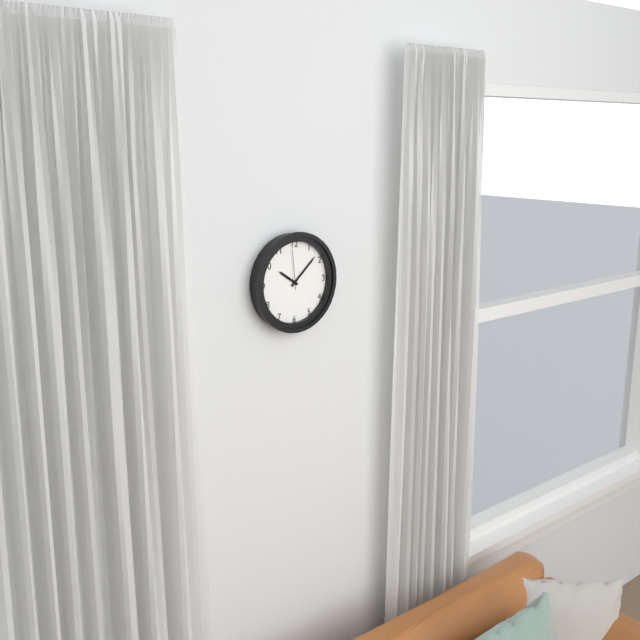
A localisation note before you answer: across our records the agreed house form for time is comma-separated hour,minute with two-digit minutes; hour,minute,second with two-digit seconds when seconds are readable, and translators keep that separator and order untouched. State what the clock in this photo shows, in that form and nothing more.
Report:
10,08
